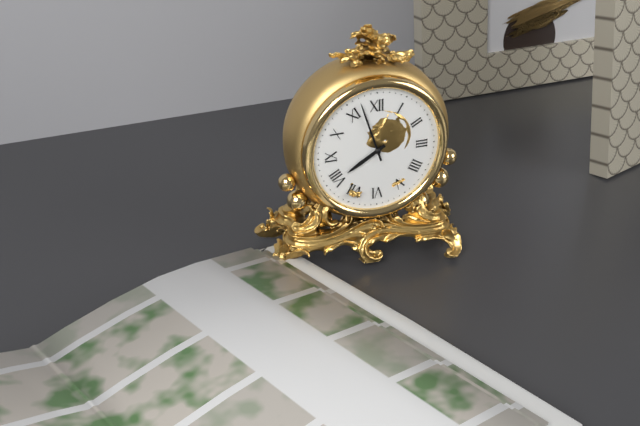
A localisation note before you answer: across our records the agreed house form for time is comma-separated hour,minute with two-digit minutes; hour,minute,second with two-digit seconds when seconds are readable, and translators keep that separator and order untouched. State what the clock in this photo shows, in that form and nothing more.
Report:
7,57
